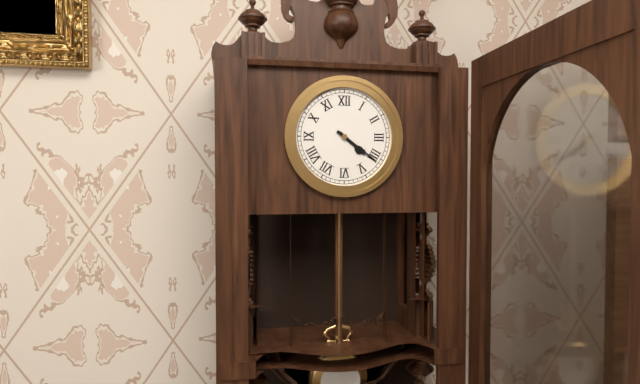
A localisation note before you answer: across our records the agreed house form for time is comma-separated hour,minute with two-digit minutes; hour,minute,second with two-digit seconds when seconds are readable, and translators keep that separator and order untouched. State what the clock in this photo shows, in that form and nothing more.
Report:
4,21
